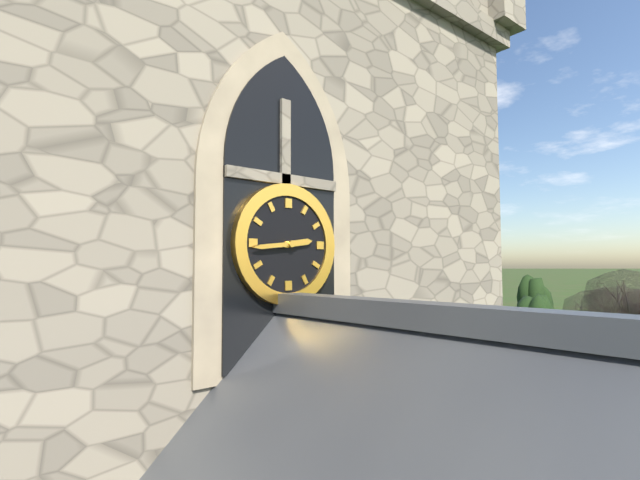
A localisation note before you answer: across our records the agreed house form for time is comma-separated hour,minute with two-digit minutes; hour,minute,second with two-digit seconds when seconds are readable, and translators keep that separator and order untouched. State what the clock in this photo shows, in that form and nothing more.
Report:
2,44
